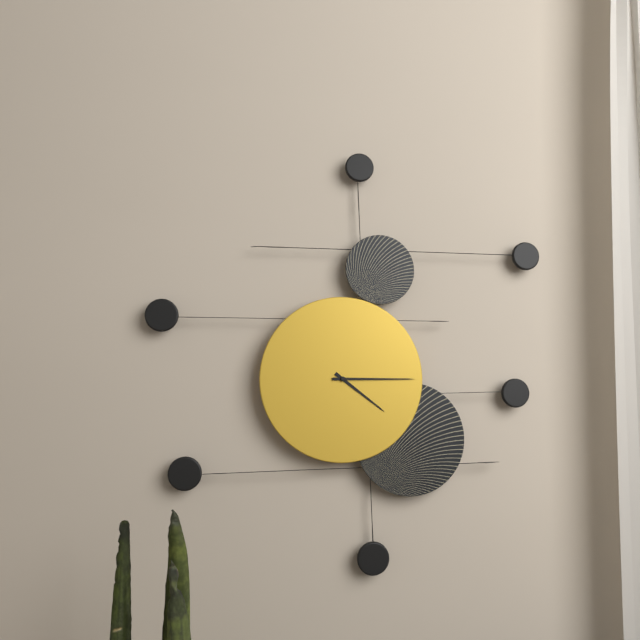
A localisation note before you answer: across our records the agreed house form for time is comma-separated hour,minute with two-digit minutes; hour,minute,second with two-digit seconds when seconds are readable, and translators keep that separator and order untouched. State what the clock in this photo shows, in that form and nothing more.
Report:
4,15
